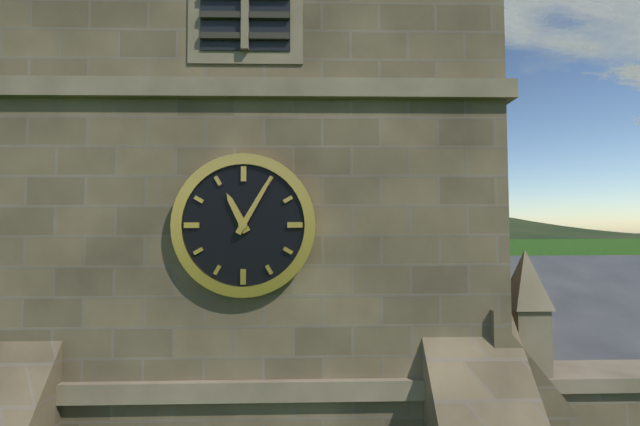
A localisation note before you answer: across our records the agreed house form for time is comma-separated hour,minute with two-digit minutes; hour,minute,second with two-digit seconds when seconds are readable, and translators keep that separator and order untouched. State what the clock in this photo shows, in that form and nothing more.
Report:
11,05
